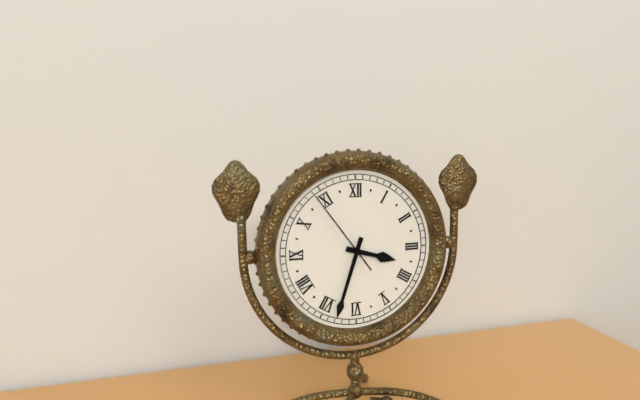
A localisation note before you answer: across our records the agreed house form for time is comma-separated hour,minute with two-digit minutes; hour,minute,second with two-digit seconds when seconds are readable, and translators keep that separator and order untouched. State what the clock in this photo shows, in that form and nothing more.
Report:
3,33,54
